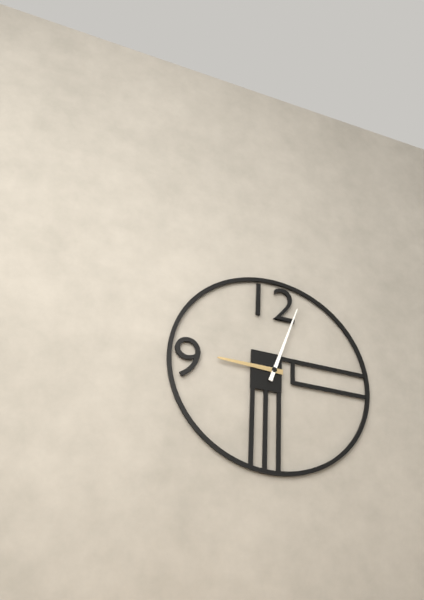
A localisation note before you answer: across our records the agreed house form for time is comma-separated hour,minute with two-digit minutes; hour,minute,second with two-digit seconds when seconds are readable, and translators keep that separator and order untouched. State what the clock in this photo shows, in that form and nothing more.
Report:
9,03
